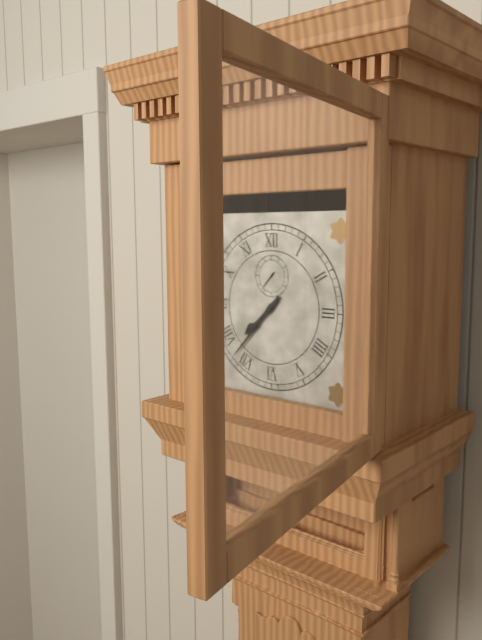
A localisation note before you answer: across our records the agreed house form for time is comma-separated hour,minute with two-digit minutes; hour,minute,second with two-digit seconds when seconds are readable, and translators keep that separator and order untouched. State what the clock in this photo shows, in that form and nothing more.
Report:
7,37
